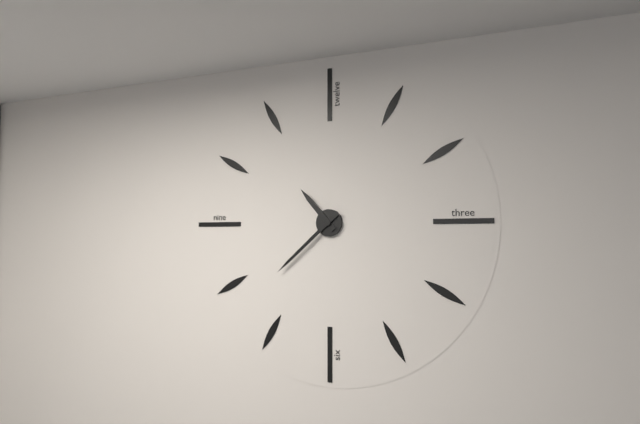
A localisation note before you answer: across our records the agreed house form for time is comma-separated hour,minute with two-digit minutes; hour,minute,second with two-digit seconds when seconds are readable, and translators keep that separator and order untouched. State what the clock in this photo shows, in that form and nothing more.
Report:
10,38
